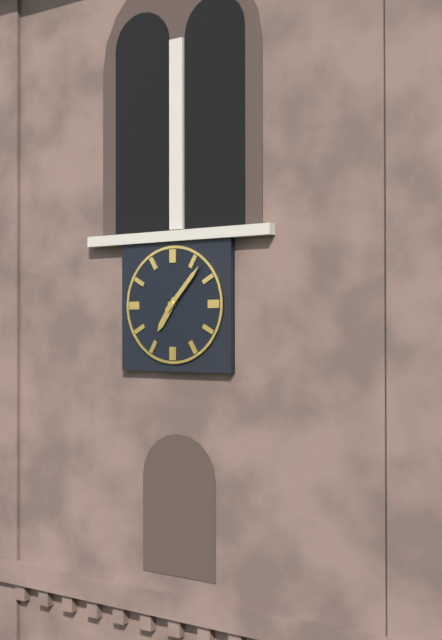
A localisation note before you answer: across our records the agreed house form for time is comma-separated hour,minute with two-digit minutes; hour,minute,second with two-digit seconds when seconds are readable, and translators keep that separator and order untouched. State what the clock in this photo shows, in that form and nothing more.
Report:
7,07
